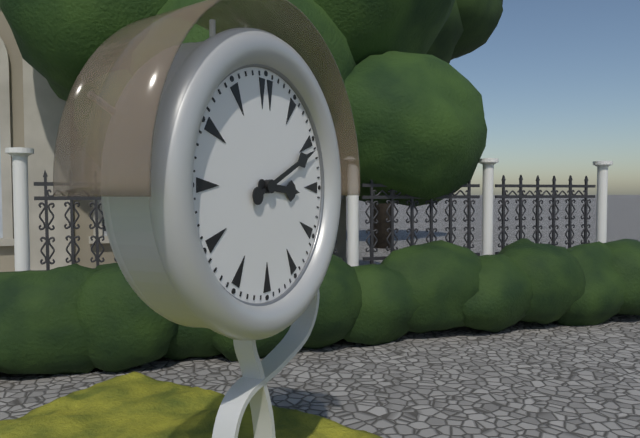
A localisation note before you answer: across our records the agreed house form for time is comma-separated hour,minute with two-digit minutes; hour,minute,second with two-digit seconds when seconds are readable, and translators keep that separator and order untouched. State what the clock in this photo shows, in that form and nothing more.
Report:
3,11
